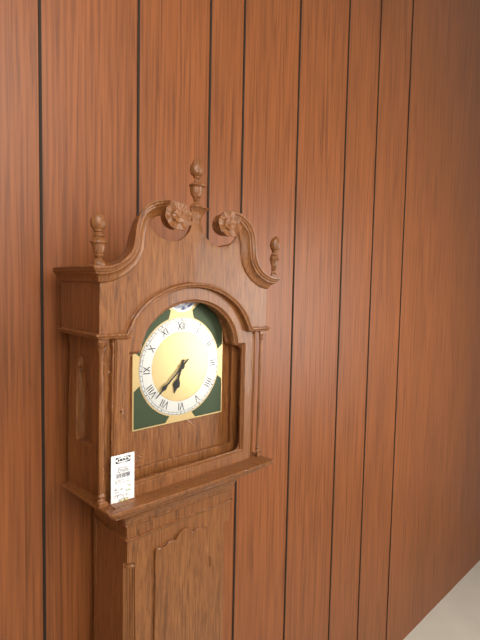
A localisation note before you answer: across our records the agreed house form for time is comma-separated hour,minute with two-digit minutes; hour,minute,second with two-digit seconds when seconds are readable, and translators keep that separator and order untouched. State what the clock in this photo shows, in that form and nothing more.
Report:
6,38
